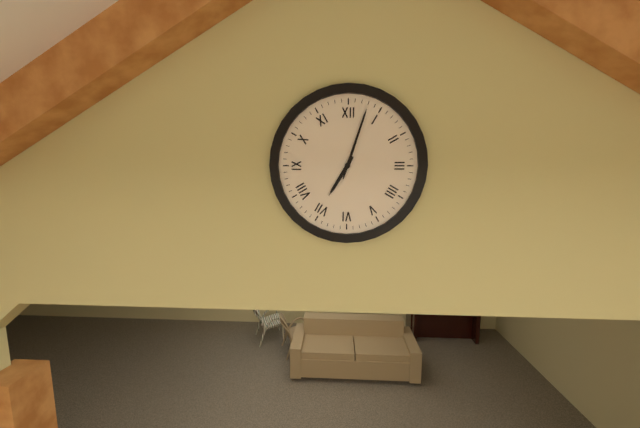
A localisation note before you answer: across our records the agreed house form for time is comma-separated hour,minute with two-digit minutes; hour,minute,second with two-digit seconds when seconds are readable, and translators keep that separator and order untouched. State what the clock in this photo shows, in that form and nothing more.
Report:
7,03
